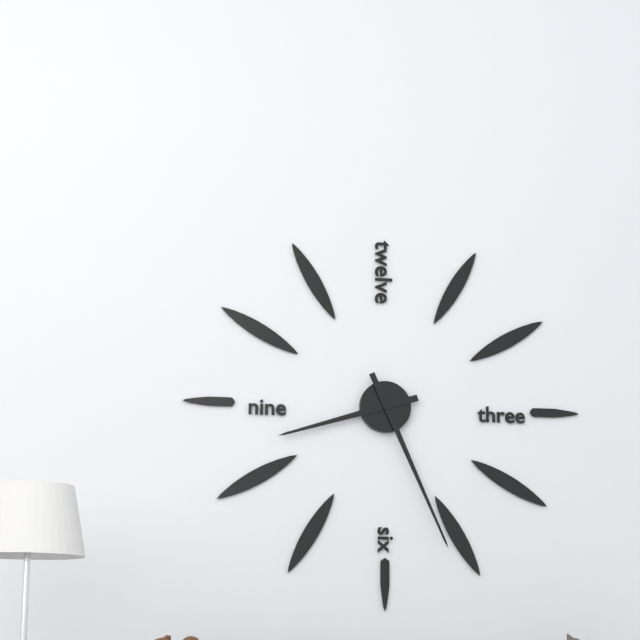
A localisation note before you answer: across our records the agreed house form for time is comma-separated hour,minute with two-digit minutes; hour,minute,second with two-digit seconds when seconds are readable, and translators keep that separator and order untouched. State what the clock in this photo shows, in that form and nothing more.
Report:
8,26
